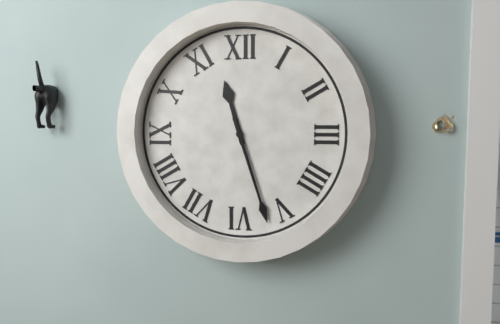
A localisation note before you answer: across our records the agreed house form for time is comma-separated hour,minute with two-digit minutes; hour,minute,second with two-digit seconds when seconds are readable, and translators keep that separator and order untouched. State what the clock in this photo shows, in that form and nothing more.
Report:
11,27
